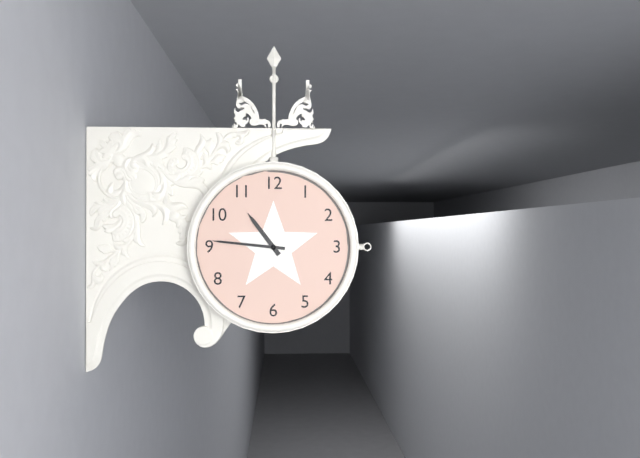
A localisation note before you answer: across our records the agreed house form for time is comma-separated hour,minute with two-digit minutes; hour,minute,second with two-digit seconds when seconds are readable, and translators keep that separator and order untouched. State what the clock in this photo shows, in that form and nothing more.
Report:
10,46
